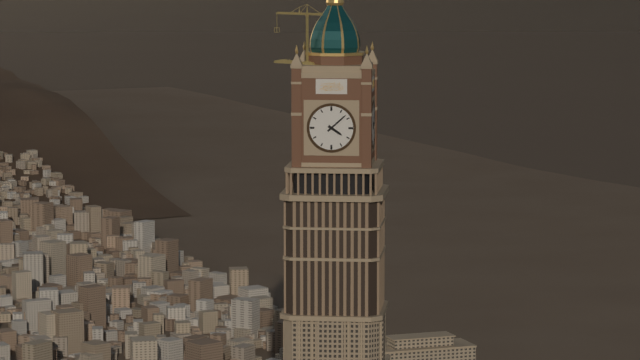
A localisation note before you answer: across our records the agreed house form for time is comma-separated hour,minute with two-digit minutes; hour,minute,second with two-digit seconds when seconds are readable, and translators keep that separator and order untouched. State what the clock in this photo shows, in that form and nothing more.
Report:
4,08
